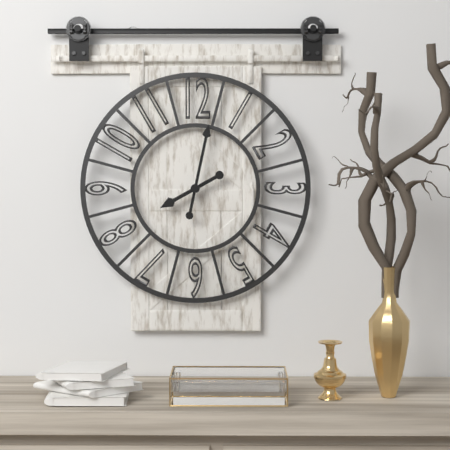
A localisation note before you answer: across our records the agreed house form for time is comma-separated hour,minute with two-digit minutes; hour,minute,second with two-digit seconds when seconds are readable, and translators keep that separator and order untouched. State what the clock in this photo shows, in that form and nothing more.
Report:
8,02
